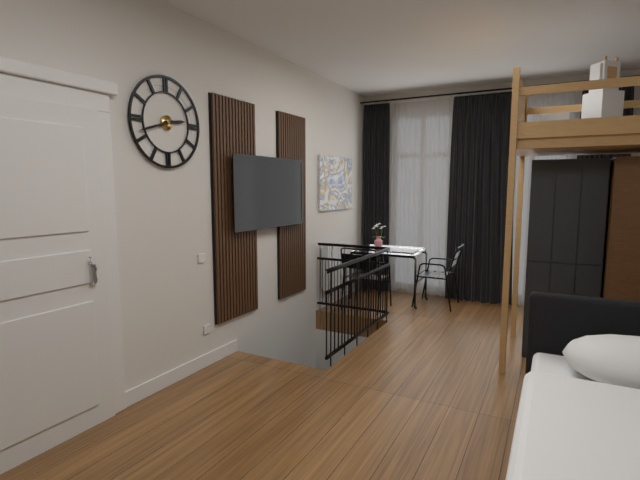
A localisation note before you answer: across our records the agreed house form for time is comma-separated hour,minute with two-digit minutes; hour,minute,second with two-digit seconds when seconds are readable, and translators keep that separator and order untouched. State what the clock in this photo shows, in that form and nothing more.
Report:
2,42
